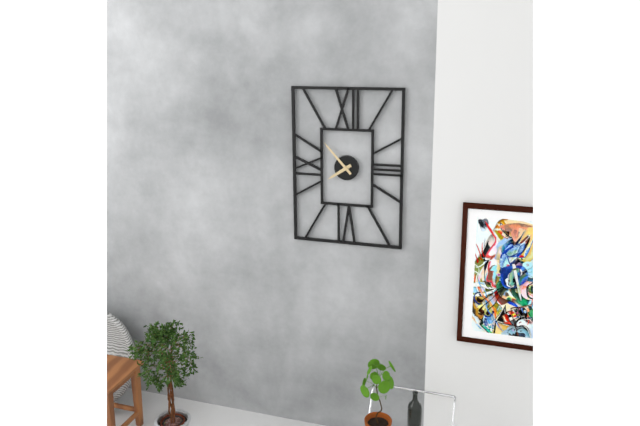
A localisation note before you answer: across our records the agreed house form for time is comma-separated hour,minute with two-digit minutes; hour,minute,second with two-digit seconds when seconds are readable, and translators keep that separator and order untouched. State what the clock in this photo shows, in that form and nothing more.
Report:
7,53
